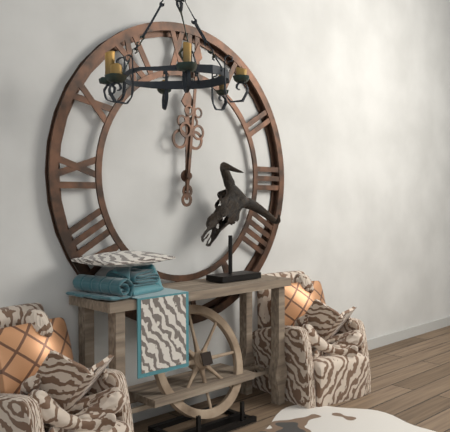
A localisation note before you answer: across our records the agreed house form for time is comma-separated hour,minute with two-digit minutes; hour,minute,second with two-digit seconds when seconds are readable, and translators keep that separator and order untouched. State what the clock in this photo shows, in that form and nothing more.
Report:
12,01
